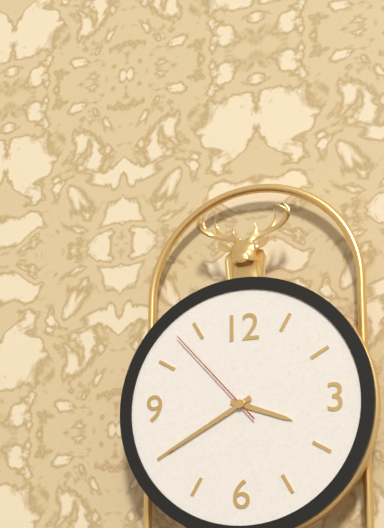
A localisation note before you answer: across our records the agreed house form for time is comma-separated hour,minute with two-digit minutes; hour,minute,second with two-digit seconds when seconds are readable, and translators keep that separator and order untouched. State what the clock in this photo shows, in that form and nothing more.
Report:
3,40,53
